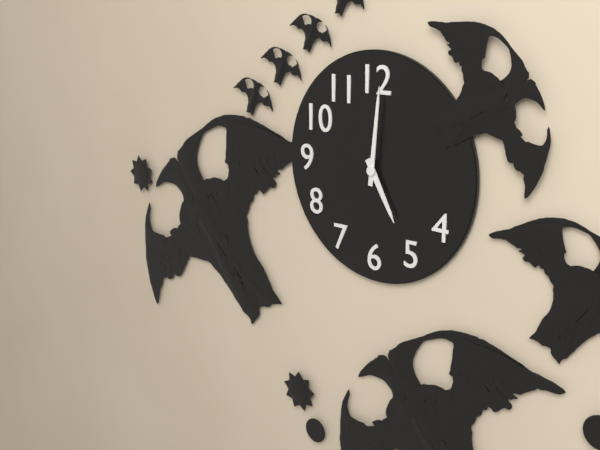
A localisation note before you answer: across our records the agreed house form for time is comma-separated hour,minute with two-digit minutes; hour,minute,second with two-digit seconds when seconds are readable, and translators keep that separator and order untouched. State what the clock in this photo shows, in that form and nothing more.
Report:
5,01
